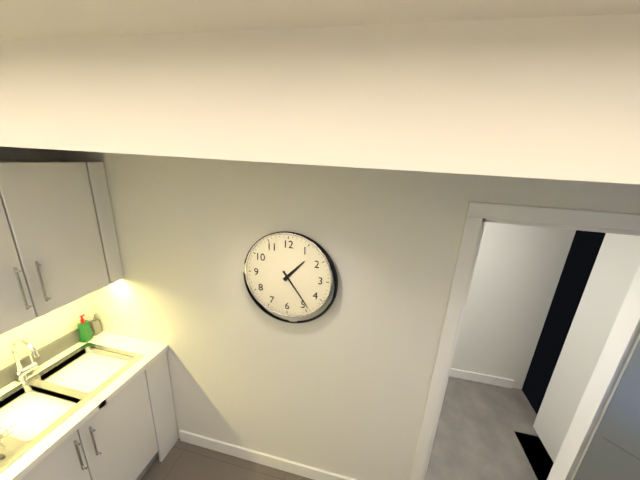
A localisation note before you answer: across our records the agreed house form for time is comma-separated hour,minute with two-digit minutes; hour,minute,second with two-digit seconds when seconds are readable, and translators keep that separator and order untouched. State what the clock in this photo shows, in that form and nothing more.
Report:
1,24
